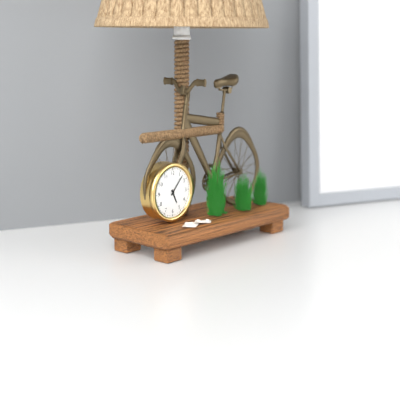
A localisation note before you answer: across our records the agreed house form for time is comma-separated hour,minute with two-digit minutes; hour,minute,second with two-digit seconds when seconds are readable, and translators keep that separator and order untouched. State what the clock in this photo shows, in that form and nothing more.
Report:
5,07
